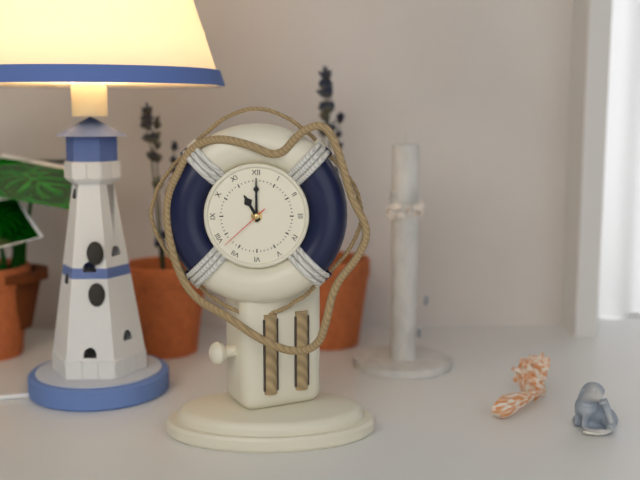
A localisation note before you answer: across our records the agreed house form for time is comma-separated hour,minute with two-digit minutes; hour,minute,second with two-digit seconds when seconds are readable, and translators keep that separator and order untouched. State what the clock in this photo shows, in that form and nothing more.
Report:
11,00,38
